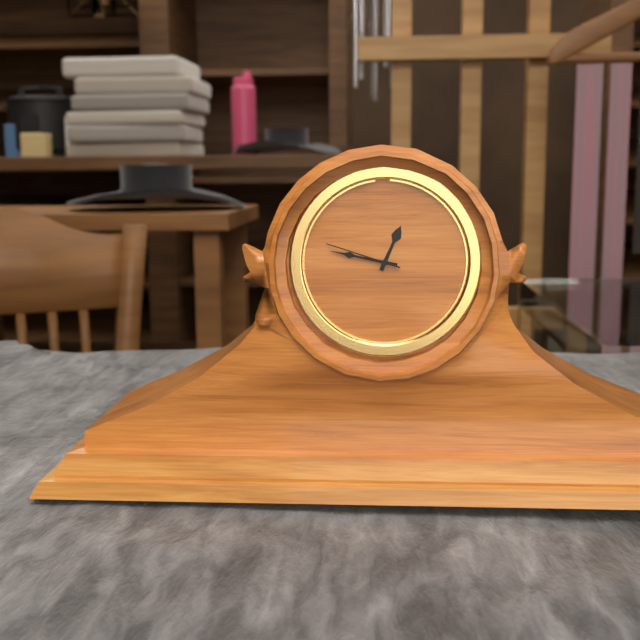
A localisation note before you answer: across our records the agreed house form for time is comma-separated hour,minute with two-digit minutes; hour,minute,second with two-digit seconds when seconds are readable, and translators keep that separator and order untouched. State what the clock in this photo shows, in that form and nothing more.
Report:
12,47,48
